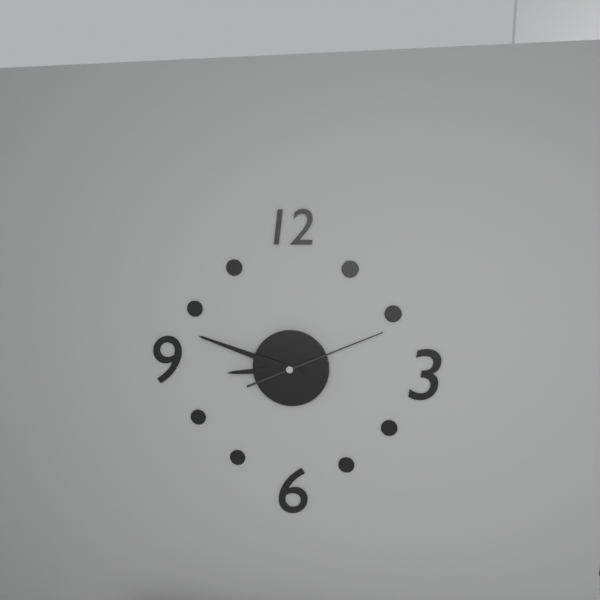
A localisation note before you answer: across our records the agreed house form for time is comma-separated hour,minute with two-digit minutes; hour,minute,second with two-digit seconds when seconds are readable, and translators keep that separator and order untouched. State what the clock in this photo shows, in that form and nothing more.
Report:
8,48,11
